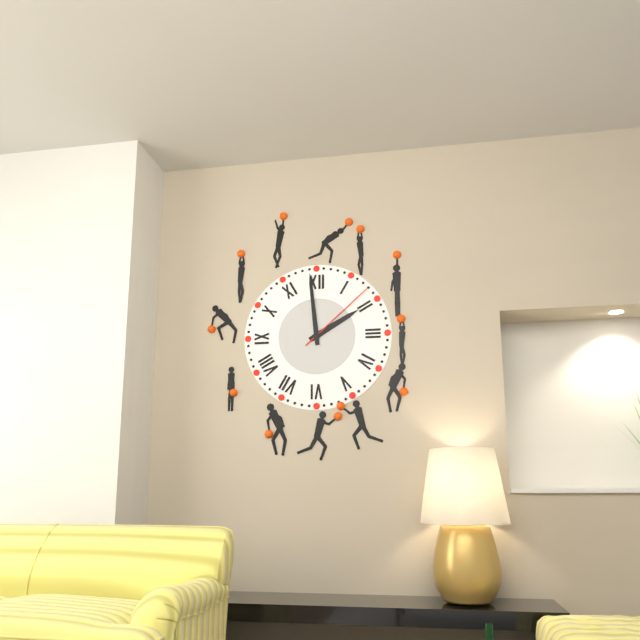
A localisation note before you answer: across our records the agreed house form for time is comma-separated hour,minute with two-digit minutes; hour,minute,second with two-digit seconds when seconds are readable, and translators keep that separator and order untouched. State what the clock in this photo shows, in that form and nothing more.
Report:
1,59,08
